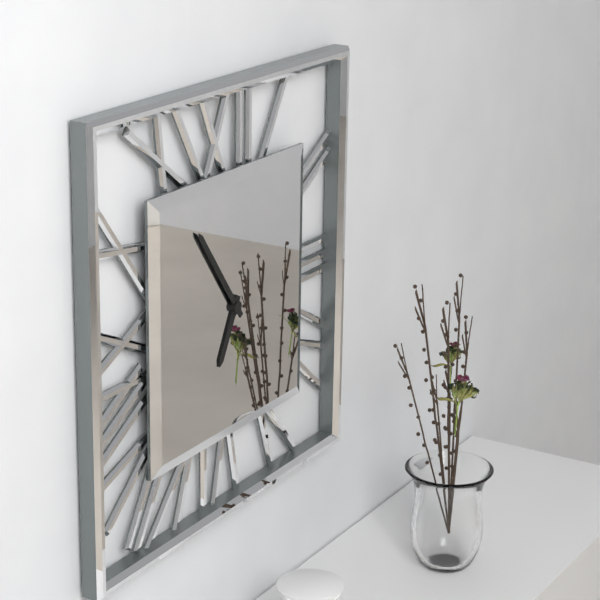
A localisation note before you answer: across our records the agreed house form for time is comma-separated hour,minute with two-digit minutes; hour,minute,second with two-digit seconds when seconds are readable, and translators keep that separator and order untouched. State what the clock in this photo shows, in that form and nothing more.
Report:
6,54
